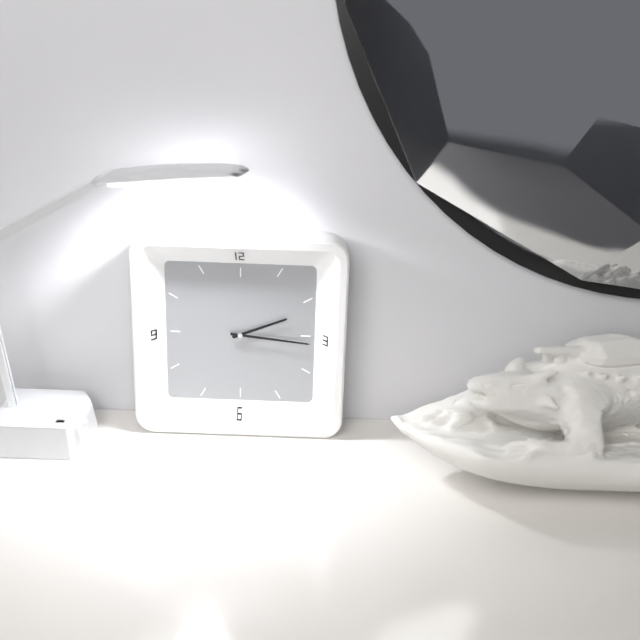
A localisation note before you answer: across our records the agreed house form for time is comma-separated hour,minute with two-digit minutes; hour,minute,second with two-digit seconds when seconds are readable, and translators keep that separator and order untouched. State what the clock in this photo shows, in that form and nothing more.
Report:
2,16
